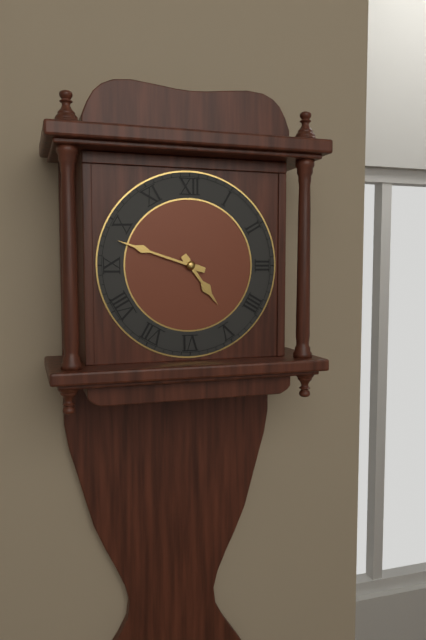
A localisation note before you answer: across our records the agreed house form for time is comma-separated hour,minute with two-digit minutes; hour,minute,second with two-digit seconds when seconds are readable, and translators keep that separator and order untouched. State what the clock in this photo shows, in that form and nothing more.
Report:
4,48
